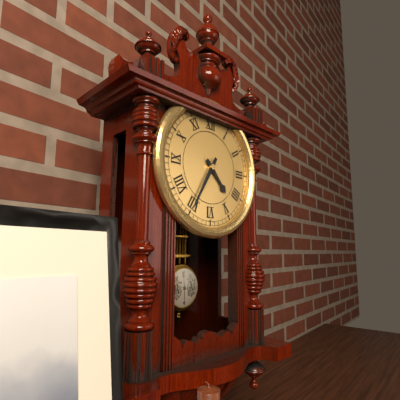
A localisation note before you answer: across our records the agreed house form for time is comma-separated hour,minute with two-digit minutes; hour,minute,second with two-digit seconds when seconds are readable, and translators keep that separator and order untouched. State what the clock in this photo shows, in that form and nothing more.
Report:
4,35
